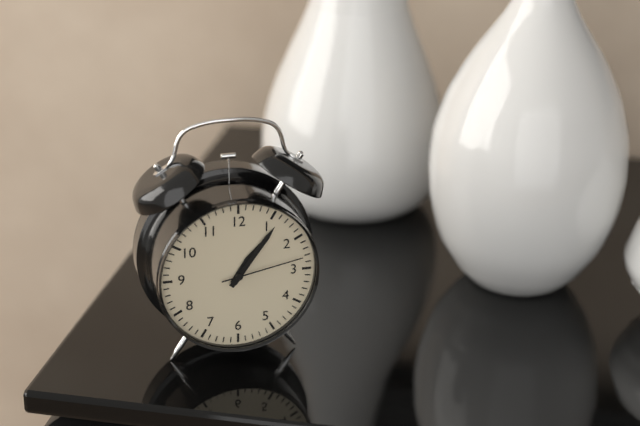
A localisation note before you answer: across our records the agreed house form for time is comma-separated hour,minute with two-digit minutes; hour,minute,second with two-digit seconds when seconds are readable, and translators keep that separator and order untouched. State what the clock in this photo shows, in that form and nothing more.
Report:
1,06,13
